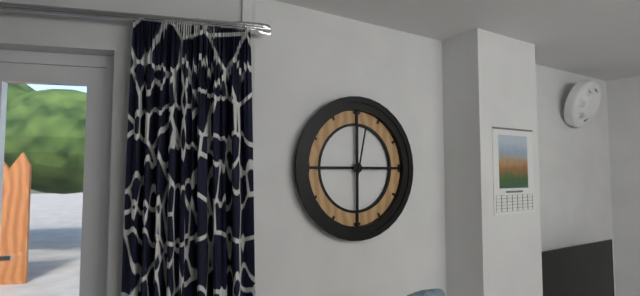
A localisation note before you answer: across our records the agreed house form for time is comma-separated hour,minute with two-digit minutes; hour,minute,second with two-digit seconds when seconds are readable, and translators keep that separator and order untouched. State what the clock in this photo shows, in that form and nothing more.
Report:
3,02
